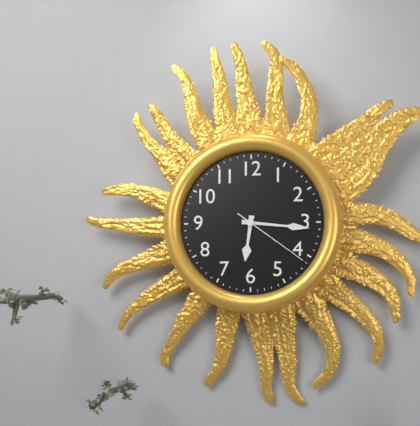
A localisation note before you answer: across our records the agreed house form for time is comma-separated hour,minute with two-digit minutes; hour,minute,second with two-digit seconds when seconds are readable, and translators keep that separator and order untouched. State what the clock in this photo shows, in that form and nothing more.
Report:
6,16,21
